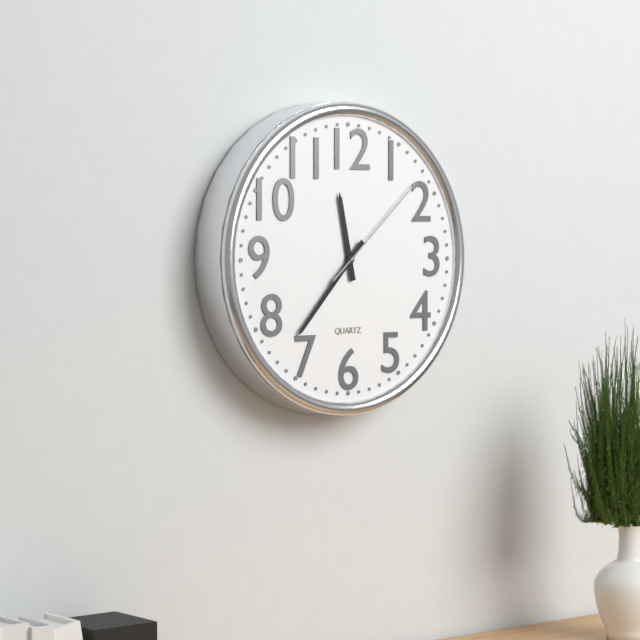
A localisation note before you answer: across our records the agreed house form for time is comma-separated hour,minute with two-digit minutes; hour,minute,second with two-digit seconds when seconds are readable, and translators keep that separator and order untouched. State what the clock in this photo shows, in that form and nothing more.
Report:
11,37,08
